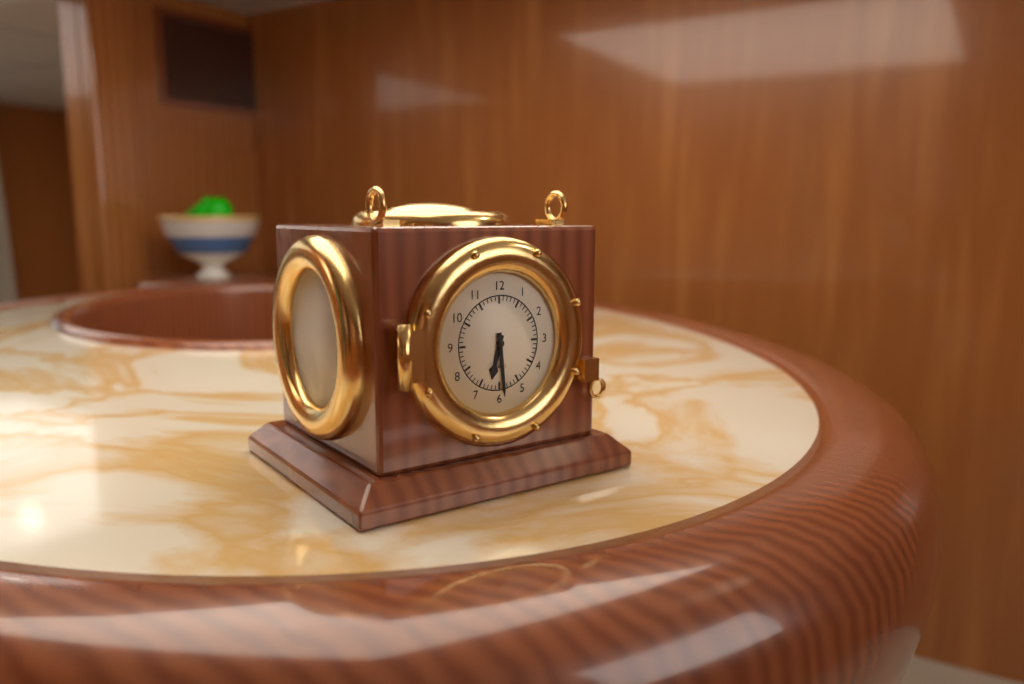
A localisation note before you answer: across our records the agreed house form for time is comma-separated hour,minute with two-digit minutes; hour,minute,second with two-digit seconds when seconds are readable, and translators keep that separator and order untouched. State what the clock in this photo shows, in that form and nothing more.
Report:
6,29
